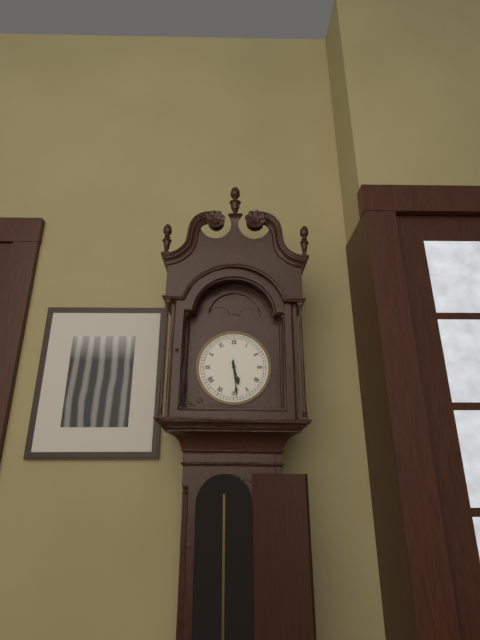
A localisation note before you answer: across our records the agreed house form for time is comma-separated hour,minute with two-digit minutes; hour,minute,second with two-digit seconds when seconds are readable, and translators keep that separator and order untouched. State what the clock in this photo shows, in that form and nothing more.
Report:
5,29
